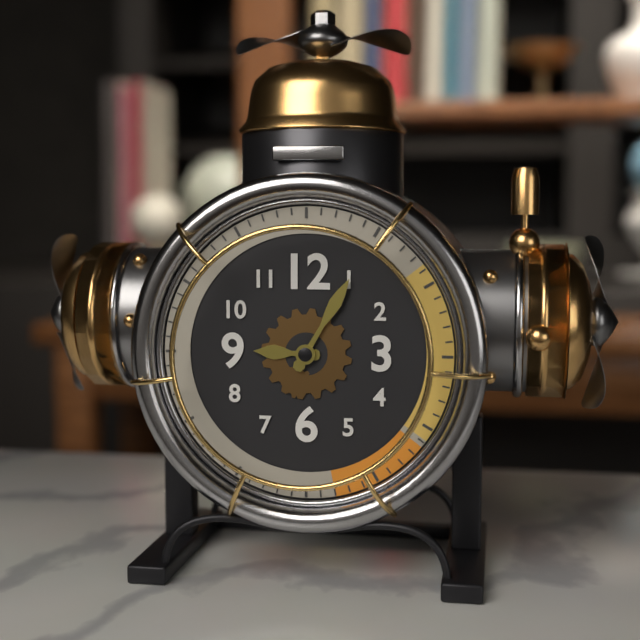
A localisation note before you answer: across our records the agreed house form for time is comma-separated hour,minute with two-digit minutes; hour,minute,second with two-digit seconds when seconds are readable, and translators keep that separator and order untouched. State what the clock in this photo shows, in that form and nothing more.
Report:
9,05
